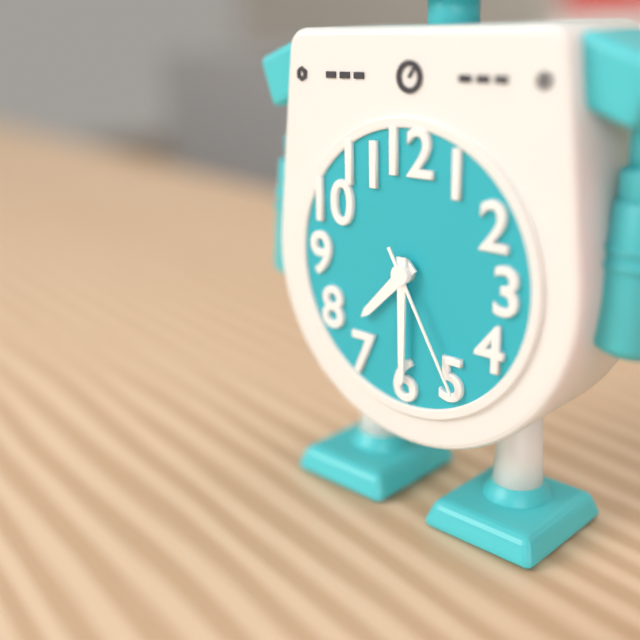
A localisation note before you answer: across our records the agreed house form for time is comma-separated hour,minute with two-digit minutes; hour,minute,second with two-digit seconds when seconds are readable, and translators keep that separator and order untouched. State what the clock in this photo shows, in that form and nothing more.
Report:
7,30,25
